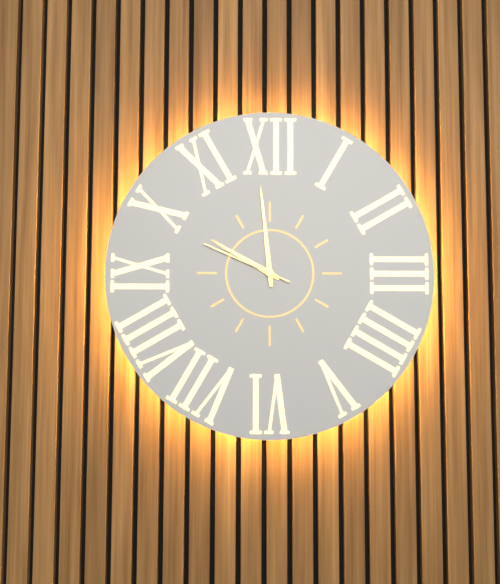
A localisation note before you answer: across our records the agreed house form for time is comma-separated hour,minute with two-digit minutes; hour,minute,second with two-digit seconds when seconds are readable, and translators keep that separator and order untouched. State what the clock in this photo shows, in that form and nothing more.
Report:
9,59,49
